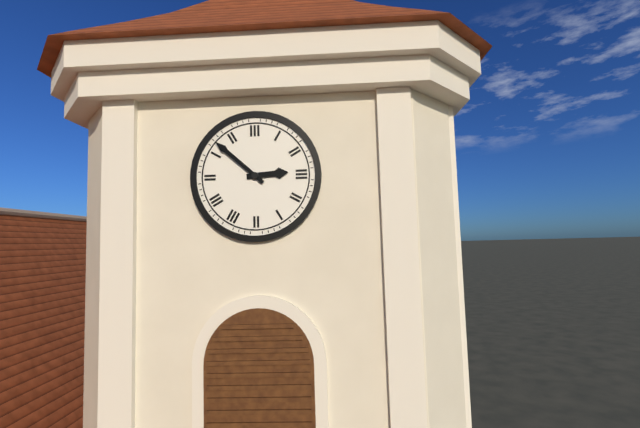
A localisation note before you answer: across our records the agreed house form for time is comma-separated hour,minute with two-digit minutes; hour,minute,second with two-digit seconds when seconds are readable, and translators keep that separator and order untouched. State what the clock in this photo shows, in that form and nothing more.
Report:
2,52
